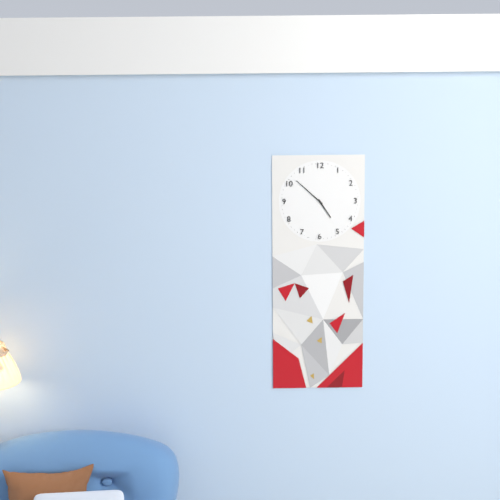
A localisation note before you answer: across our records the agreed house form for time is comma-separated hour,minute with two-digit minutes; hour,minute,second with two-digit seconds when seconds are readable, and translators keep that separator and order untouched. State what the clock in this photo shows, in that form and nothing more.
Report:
4,52
